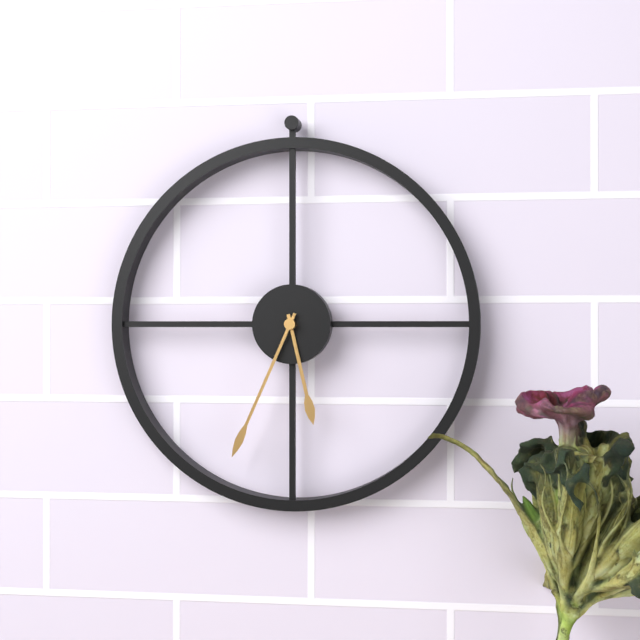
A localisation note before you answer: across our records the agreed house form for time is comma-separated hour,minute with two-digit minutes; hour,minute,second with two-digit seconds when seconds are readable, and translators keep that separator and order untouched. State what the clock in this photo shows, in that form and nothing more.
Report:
5,34
